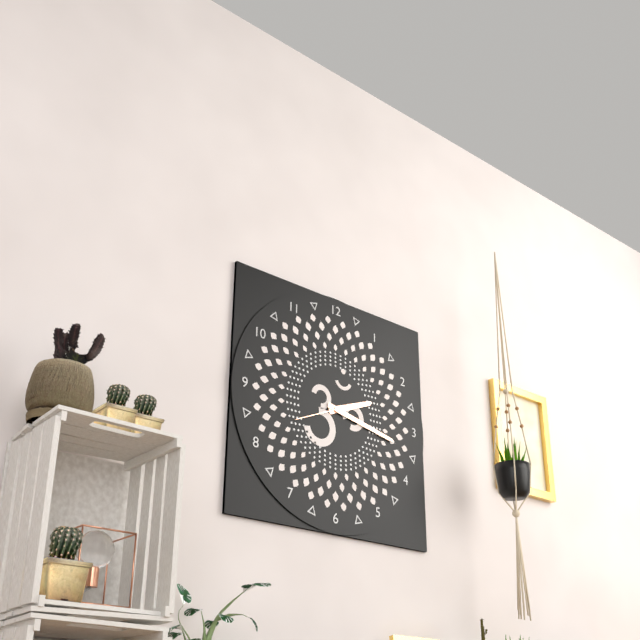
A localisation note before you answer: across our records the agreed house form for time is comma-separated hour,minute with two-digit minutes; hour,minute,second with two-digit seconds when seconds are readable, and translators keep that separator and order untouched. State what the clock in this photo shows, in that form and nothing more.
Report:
2,17,41
